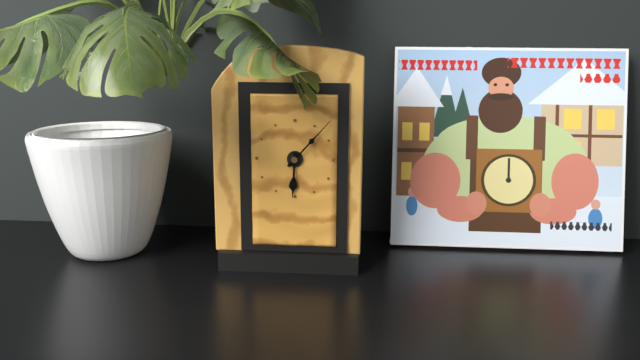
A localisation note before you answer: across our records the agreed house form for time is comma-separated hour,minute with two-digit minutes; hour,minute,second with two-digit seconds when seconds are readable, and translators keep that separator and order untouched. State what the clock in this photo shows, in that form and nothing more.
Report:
6,07
